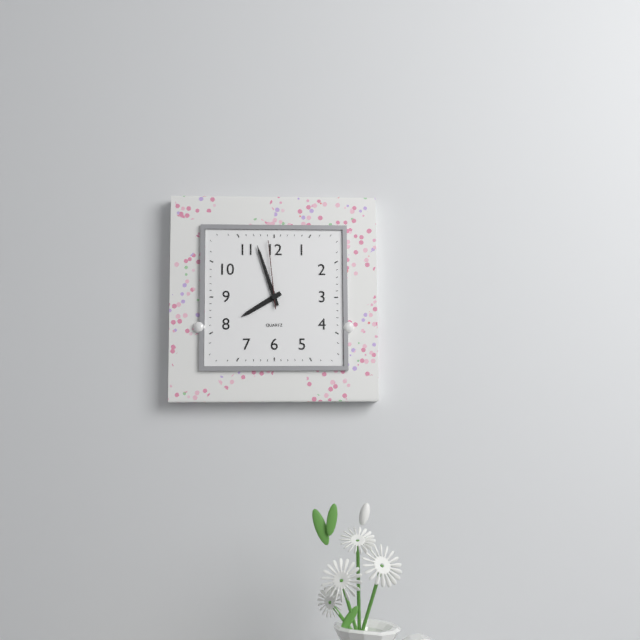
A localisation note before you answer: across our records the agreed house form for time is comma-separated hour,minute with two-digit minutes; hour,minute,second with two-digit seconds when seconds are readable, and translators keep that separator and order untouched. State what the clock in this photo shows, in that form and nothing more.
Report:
7,57,59
